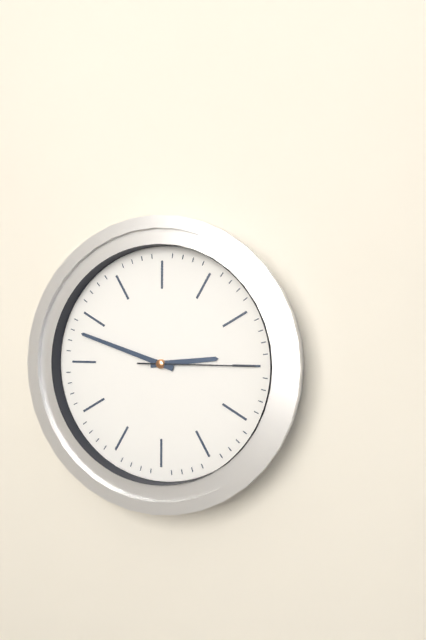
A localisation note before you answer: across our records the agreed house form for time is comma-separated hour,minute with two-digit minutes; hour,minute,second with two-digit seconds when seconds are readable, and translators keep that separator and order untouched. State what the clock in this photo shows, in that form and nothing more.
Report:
2,48,15
